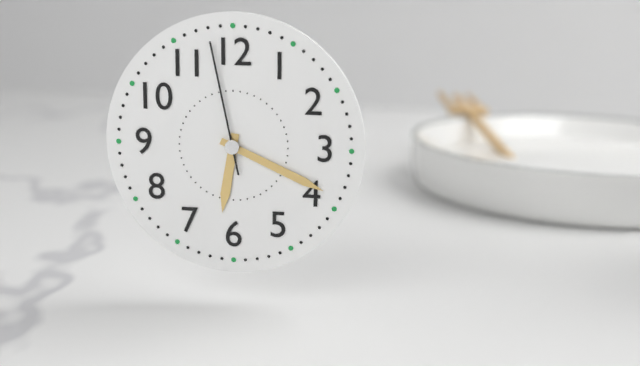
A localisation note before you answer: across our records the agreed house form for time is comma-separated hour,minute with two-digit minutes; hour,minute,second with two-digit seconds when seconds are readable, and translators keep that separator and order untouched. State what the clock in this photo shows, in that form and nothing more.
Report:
6,19,58
